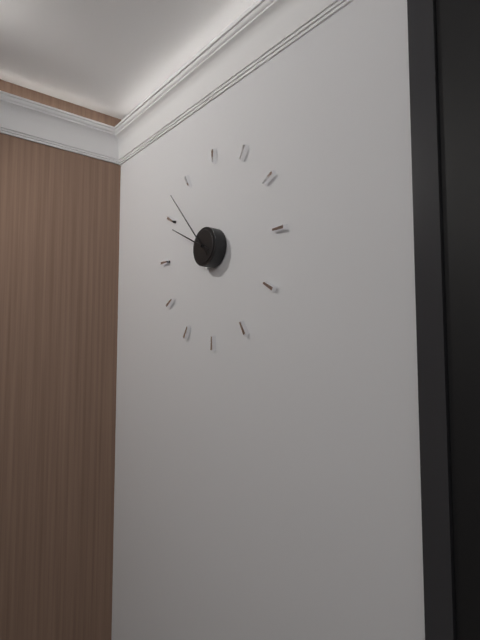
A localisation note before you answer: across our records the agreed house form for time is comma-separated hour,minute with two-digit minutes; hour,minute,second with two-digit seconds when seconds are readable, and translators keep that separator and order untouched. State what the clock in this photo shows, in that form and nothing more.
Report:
9,53
